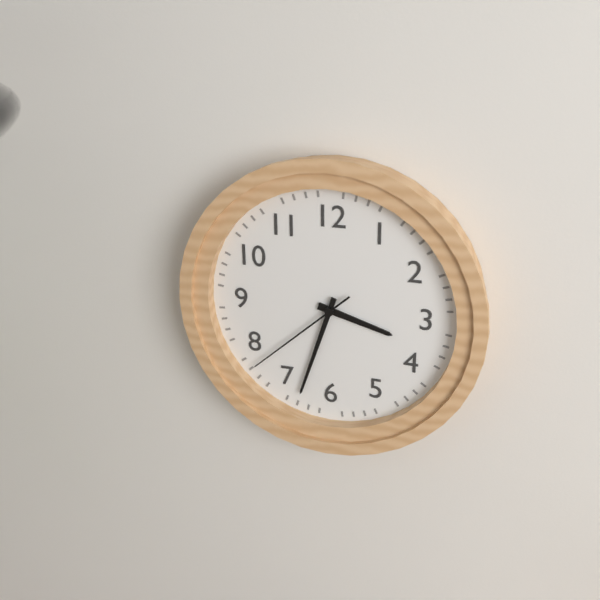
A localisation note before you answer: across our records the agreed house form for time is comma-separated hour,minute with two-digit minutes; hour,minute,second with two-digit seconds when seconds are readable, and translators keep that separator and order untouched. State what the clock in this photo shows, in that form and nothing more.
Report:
3,33,38
